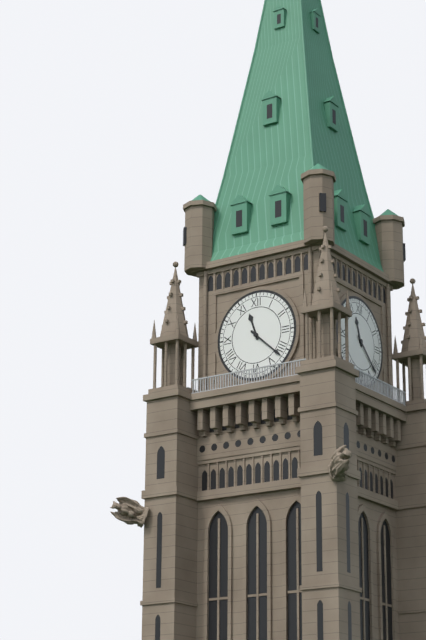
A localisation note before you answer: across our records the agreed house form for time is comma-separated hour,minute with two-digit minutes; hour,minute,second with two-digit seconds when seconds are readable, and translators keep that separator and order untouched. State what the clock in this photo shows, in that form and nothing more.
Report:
11,22
